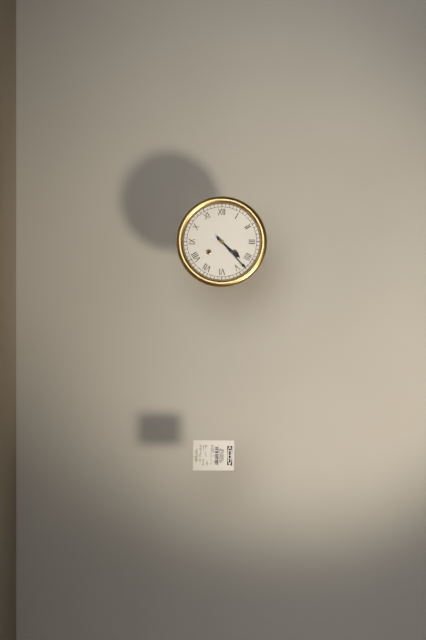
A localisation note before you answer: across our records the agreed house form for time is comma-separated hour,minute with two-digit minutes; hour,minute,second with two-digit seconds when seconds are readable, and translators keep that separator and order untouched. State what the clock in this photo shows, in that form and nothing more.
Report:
4,23
